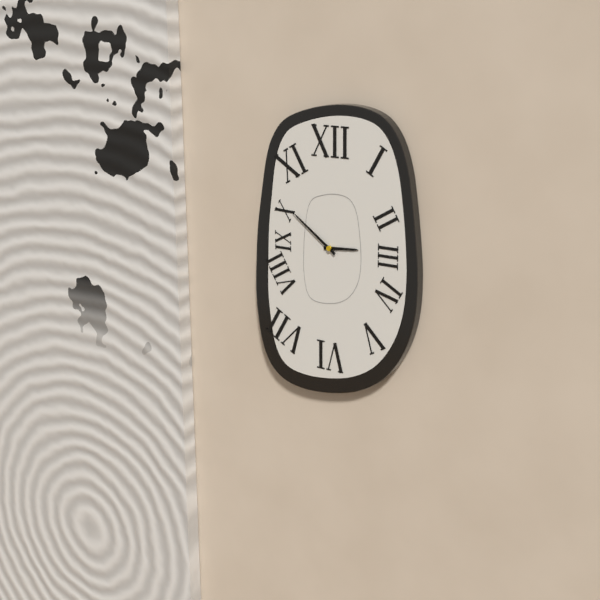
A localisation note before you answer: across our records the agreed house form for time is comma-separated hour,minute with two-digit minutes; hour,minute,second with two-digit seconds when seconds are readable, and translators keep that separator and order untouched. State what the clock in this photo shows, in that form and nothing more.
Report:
2,51
